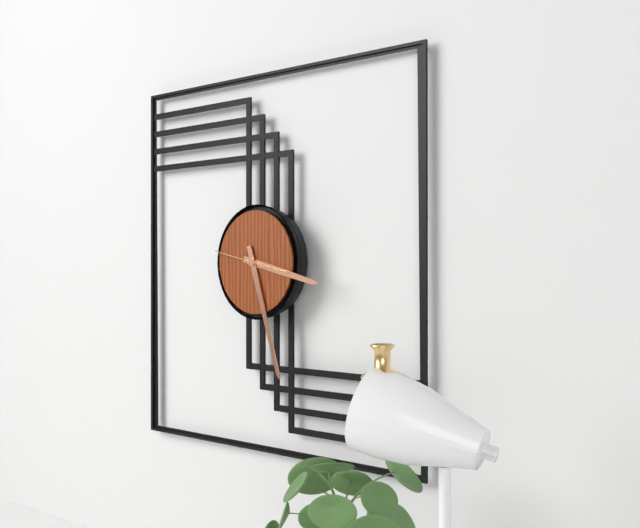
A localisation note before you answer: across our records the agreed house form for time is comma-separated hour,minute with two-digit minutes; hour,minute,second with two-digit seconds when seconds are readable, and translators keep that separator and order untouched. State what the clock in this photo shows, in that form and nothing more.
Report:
3,27,47
